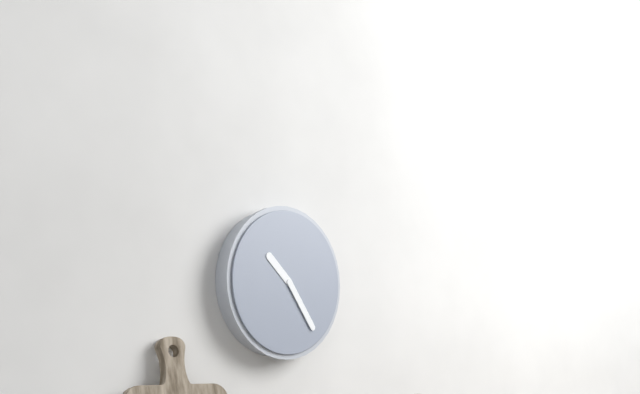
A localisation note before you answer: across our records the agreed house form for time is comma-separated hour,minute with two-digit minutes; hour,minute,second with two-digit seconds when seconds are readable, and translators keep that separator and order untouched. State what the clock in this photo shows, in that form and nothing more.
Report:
10,24
